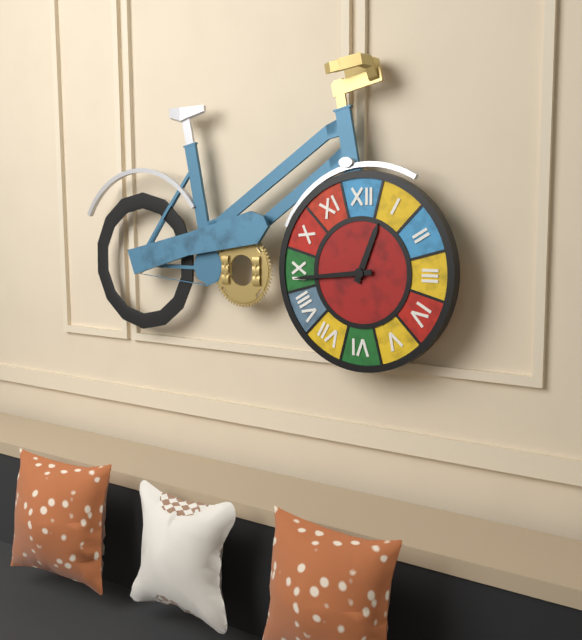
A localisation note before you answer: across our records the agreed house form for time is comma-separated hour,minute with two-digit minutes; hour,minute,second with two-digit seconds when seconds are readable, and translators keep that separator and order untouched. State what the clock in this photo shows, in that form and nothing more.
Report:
12,44
